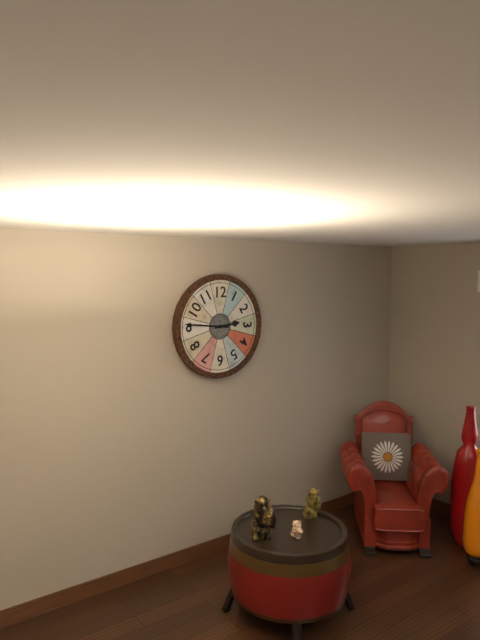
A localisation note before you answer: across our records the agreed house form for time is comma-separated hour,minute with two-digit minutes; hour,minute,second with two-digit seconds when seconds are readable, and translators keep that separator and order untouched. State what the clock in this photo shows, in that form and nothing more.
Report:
2,46
